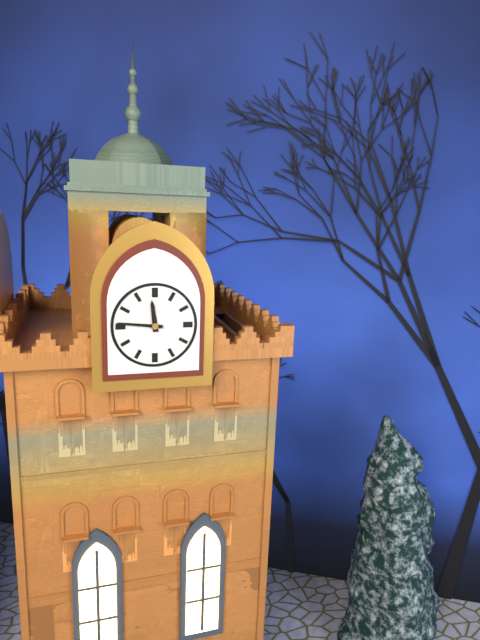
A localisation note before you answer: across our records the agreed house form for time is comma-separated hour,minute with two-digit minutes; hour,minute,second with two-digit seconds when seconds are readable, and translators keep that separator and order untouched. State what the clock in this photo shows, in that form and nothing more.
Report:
11,46
